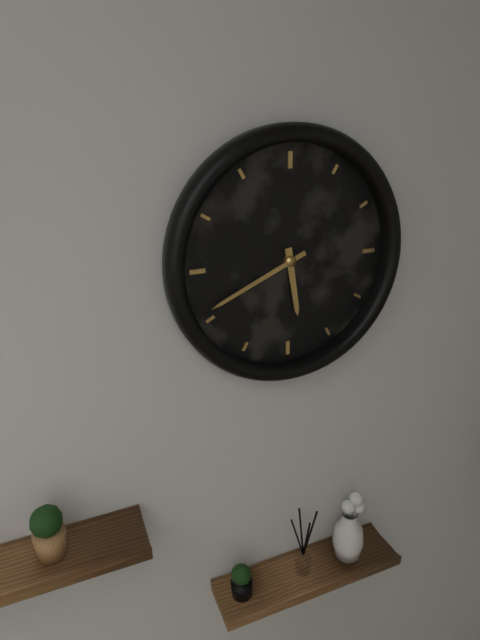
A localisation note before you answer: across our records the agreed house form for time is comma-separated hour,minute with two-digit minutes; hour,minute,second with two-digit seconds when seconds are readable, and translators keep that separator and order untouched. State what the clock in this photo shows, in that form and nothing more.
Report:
5,41
